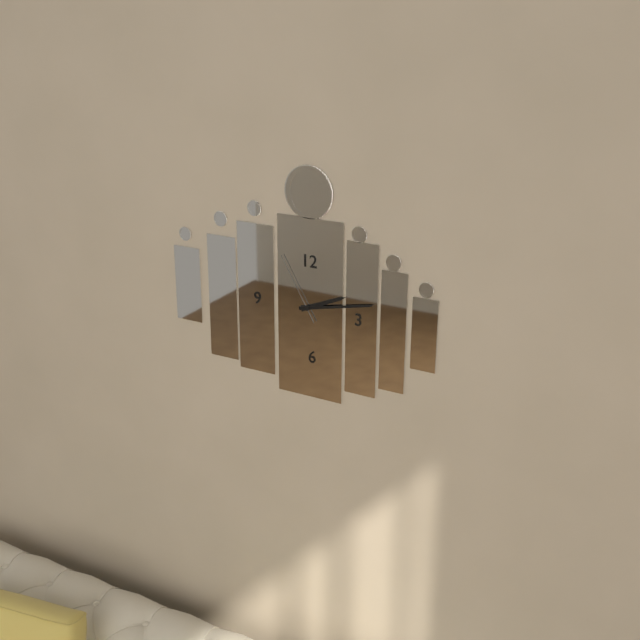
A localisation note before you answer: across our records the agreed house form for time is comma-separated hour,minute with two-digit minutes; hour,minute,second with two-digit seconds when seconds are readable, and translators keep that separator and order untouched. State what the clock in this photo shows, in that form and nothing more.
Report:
2,13,55
